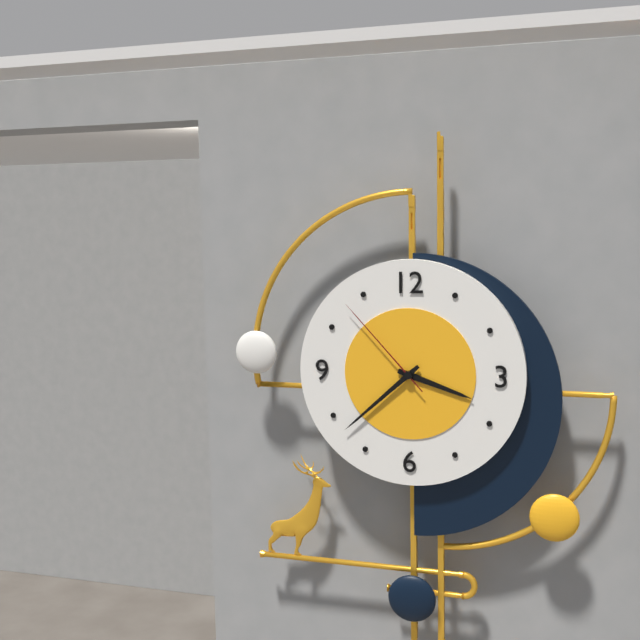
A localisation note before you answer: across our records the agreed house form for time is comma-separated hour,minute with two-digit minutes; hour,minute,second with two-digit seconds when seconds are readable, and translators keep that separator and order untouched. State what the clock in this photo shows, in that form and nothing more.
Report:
3,38,53
